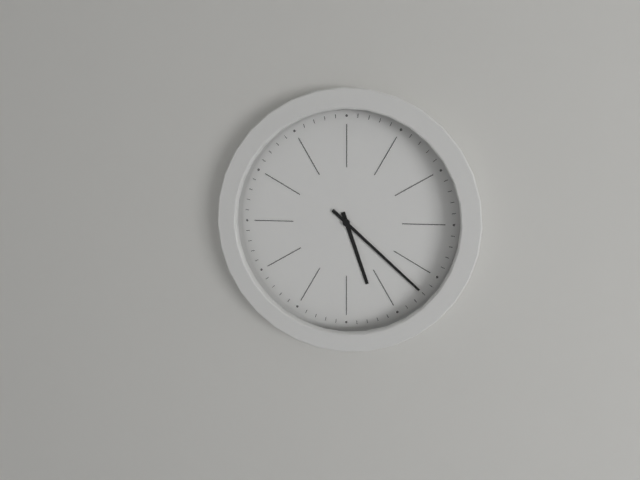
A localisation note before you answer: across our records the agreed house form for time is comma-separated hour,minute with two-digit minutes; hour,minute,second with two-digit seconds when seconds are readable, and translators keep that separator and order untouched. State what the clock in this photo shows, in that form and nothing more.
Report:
5,22
